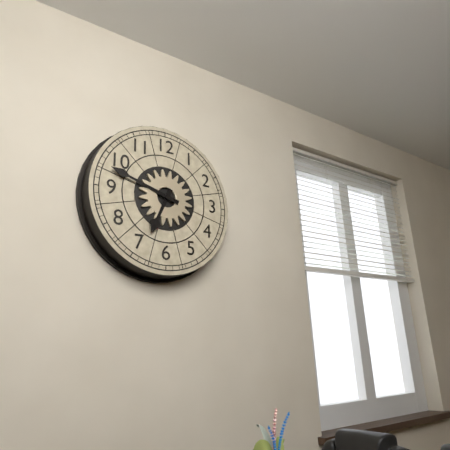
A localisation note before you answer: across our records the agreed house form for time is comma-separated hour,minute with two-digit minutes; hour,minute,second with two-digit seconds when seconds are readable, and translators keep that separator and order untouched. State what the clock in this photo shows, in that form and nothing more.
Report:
6,48
